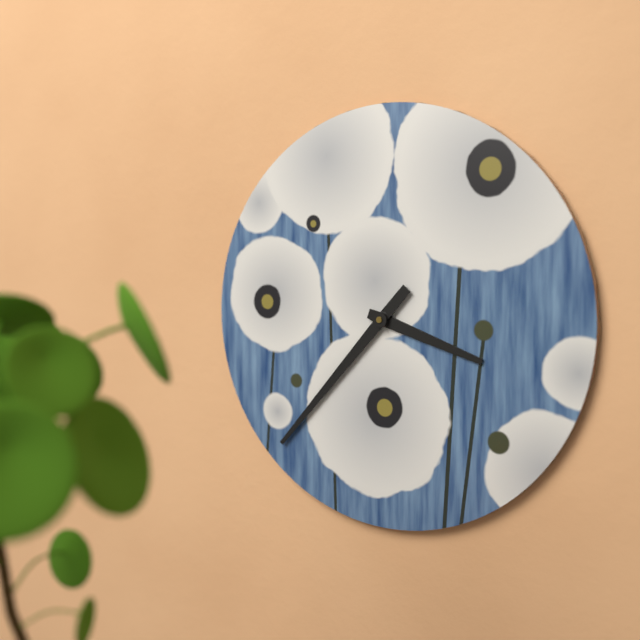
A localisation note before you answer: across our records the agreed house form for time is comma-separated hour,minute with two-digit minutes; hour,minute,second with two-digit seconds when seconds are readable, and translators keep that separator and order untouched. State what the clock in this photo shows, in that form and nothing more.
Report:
3,37
